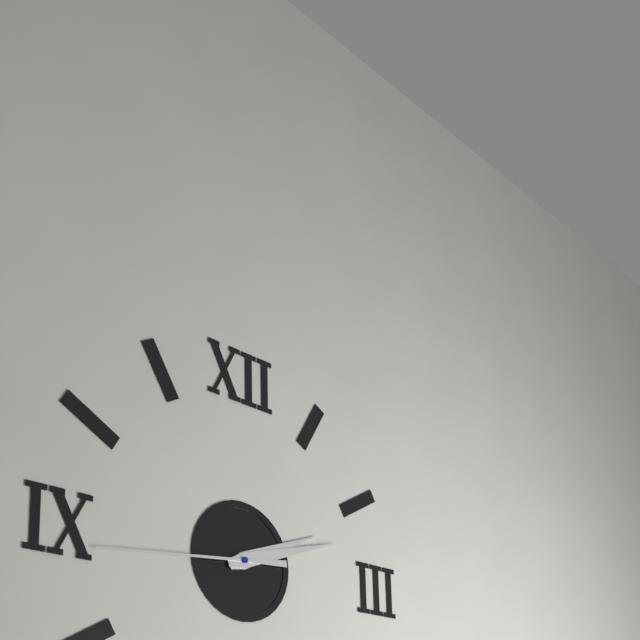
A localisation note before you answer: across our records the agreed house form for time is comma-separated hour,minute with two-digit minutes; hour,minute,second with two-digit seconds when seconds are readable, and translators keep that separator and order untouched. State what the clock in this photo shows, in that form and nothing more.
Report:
2,12,44
